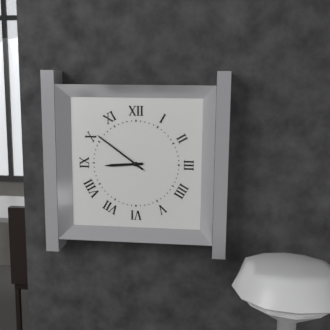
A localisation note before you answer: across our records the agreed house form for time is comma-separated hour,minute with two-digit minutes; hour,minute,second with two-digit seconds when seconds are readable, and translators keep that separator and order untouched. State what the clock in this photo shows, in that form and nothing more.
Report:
8,51
